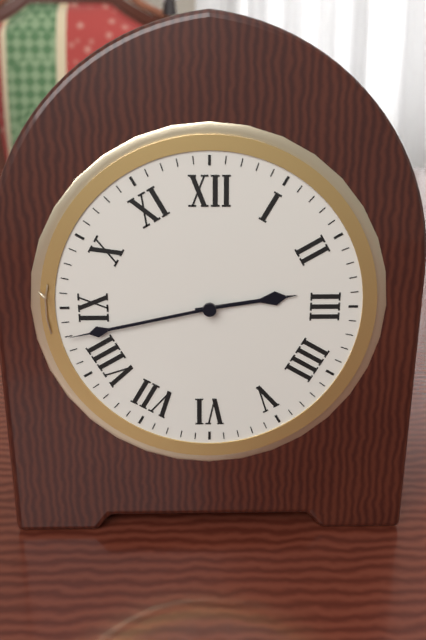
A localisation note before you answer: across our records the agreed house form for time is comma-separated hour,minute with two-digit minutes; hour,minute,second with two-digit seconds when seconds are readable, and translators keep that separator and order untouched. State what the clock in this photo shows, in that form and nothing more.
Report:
2,43
